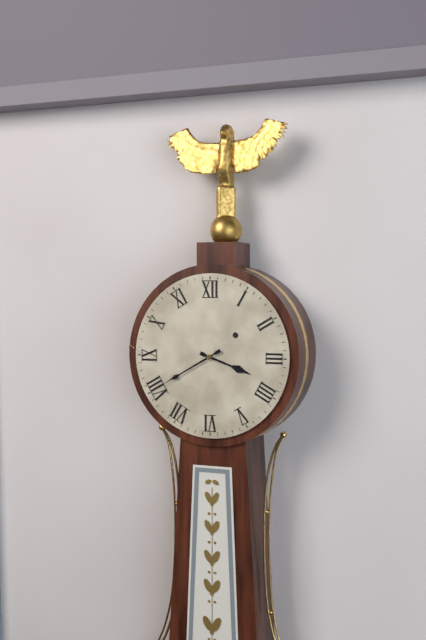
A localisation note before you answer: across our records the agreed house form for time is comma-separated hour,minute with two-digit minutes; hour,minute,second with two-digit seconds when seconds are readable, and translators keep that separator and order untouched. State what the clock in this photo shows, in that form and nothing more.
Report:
3,40
